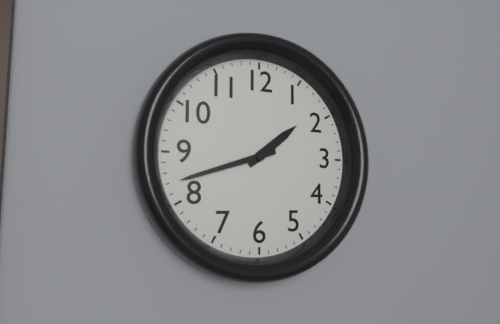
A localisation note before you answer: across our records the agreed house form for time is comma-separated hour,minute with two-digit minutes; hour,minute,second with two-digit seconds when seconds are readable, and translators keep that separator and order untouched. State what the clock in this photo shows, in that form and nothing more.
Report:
1,42
